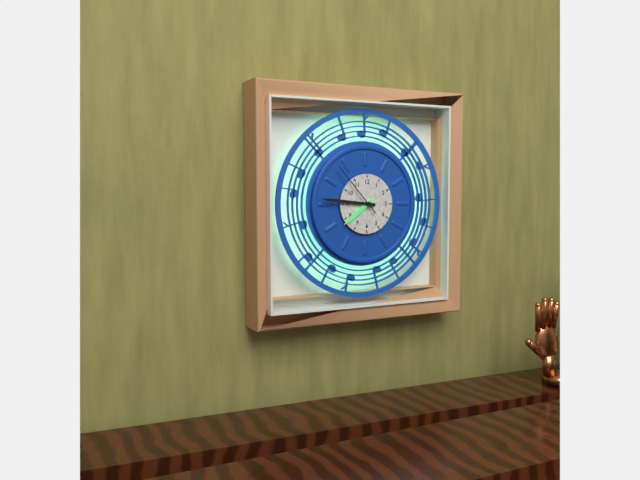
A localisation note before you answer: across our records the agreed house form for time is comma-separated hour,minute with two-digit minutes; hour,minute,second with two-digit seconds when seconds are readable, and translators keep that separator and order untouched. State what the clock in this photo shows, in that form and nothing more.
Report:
7,46,53
